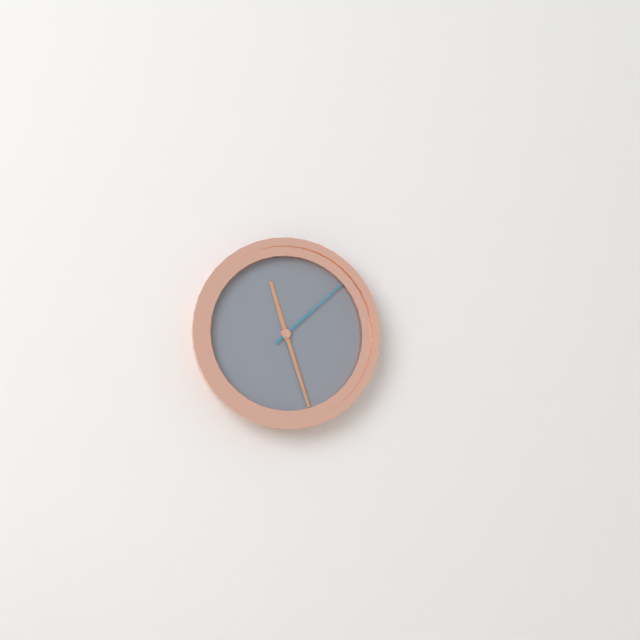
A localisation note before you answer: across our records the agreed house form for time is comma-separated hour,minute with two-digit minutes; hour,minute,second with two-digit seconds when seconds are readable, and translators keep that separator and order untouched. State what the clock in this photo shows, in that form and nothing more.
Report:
11,27,08
